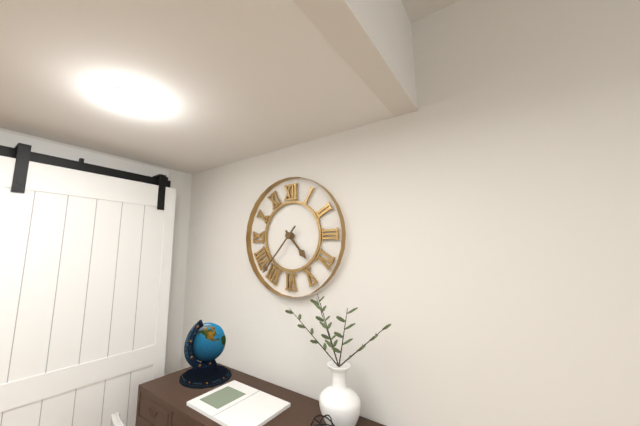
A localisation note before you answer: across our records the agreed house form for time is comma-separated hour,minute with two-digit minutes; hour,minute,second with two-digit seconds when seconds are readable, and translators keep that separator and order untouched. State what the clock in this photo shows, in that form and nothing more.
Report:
4,37
